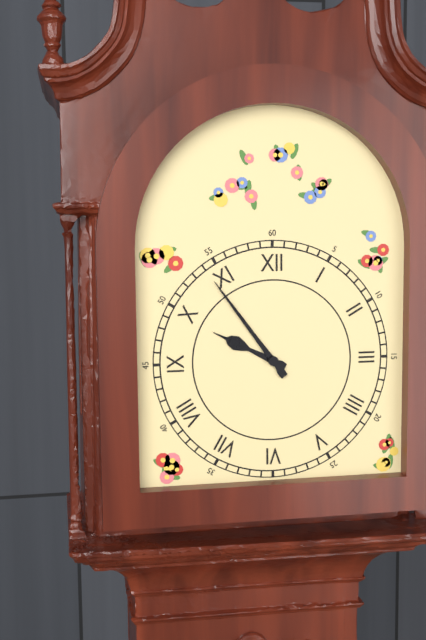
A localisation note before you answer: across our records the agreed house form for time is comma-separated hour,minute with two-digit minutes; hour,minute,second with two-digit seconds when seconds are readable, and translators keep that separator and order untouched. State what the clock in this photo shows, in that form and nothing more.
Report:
9,54
